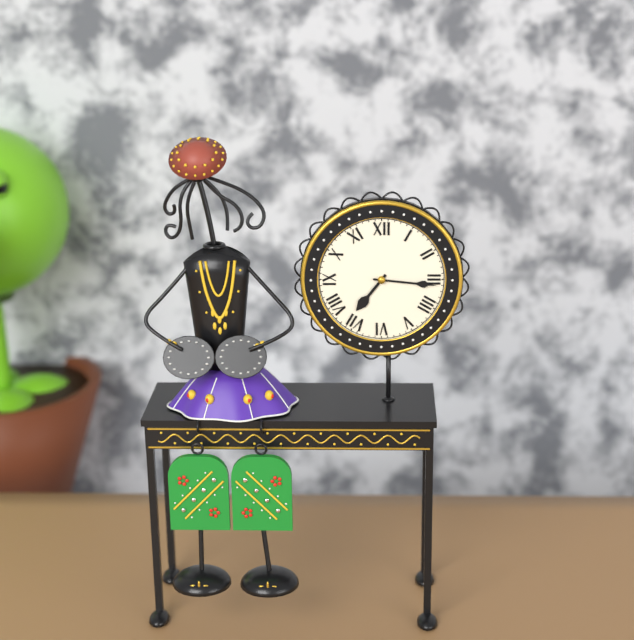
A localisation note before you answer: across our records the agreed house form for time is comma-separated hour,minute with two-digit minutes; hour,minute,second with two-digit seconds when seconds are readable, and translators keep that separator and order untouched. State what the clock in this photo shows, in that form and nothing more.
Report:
7,16
